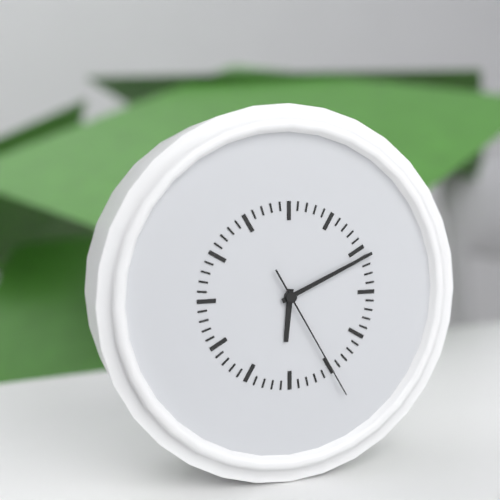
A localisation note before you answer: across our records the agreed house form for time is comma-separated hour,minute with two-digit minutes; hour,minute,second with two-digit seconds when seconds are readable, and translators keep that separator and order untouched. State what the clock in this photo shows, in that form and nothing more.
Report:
6,11,25
